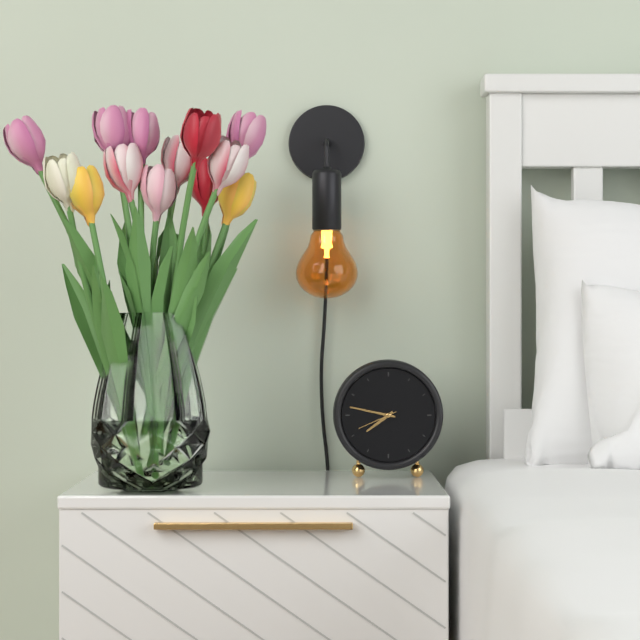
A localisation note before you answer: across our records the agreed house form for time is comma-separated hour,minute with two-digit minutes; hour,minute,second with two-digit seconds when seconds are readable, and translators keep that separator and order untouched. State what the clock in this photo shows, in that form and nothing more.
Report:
7,47
